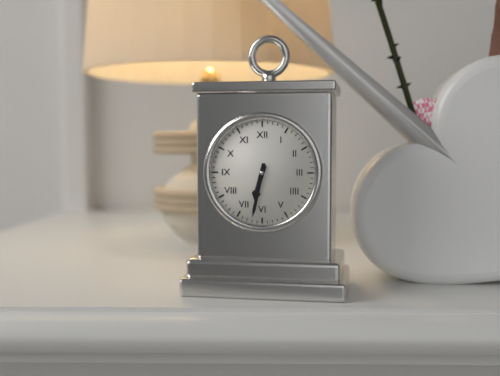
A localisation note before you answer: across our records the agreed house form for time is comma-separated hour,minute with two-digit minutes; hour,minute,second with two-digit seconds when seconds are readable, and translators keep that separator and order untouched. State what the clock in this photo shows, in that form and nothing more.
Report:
6,32
